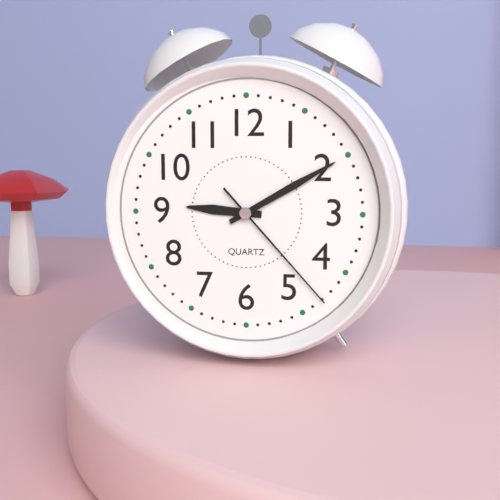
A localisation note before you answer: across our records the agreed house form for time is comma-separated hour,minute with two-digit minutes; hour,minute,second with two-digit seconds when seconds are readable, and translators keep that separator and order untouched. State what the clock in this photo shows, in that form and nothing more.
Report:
9,10,23
